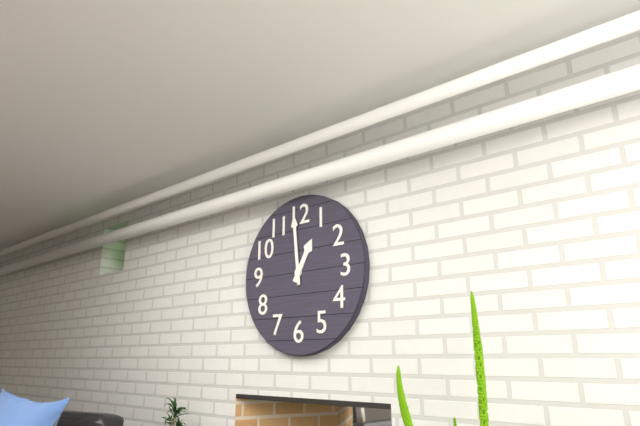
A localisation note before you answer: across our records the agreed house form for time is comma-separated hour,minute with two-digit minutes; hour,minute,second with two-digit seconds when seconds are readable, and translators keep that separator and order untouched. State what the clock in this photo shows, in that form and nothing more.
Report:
12,59
